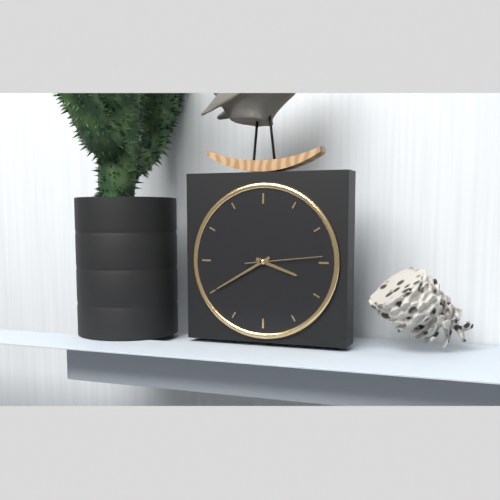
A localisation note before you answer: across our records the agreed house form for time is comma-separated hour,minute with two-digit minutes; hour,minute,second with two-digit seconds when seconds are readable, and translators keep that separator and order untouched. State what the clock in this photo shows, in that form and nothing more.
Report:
3,40,14
